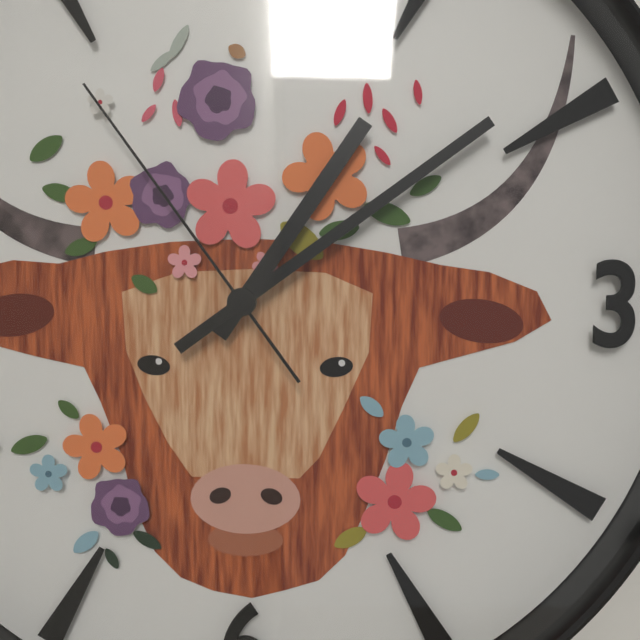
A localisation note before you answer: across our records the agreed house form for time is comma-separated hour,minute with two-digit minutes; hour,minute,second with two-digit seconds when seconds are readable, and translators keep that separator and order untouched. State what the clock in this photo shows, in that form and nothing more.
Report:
1,09,54
